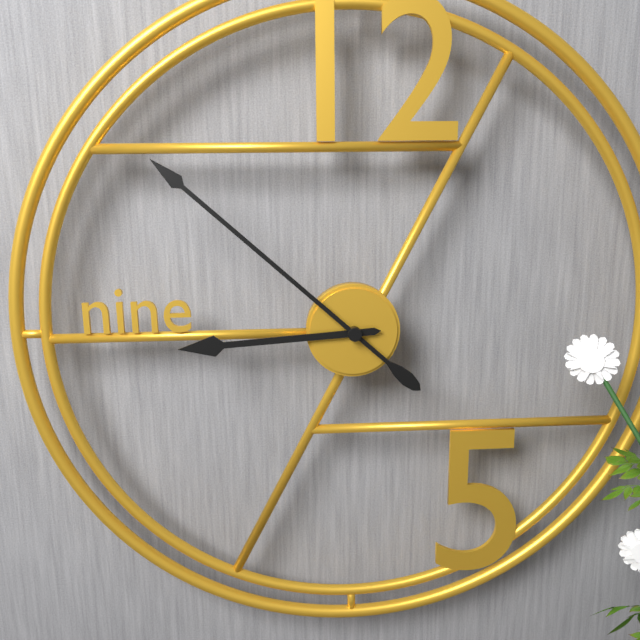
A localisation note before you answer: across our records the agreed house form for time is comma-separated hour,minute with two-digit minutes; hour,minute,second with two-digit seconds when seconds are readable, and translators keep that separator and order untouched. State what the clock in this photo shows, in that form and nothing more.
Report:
8,52
